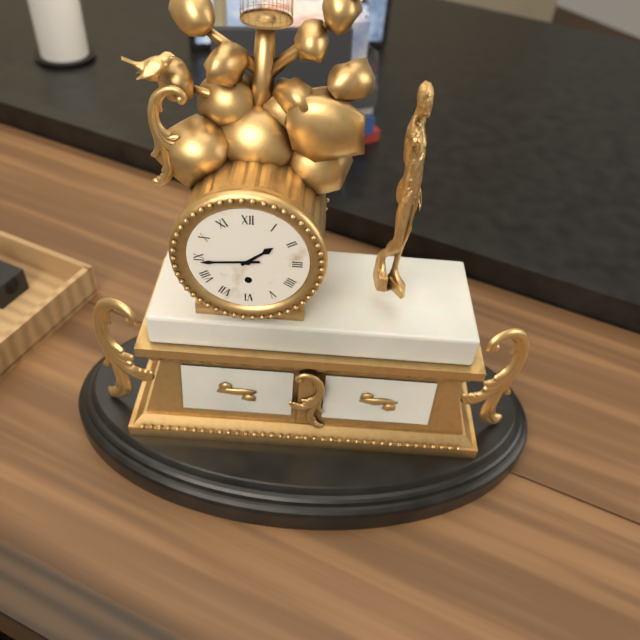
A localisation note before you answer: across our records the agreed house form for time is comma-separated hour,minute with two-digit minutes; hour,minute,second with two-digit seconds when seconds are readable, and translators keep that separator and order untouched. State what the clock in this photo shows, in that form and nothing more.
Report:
1,44
